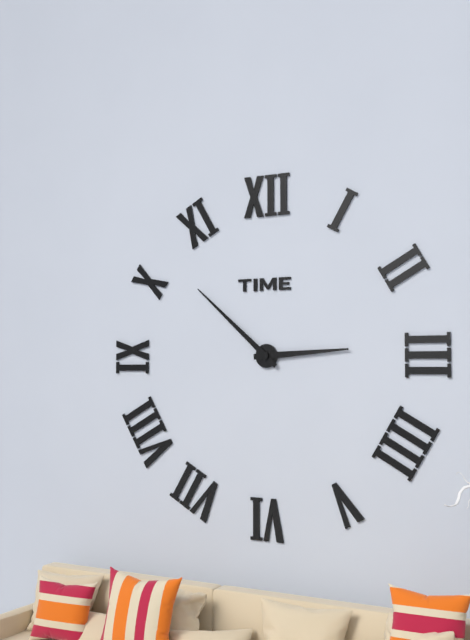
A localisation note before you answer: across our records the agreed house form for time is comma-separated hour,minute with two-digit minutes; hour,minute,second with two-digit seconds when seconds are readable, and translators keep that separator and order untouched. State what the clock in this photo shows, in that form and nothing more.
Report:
2,52
